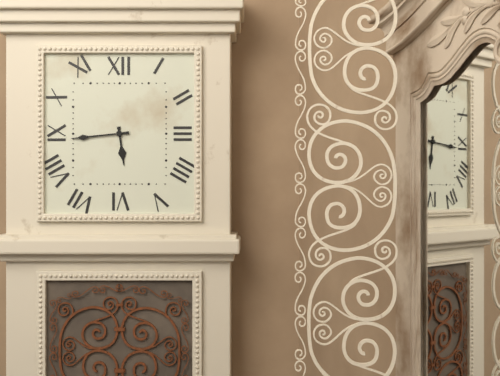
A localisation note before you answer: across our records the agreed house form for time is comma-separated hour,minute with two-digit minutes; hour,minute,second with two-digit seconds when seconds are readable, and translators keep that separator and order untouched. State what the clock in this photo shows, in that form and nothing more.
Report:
5,44
